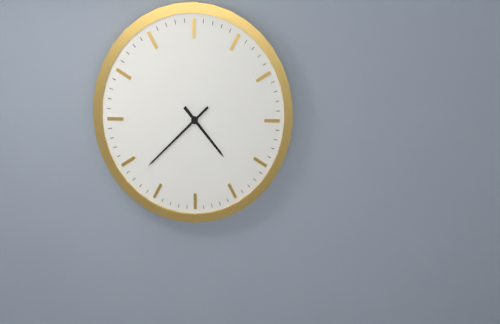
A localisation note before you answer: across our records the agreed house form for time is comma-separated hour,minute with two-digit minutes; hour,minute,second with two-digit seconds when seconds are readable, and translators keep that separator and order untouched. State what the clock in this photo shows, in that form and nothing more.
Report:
4,38
